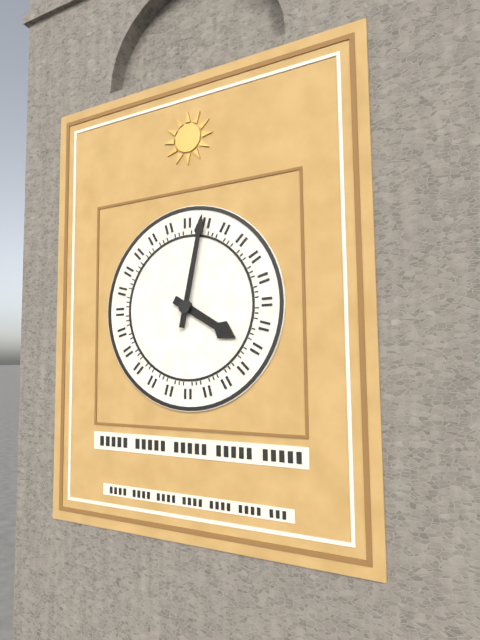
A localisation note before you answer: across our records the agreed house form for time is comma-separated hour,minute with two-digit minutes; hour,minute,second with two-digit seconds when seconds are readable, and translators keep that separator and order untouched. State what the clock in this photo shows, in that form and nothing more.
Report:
4,02
